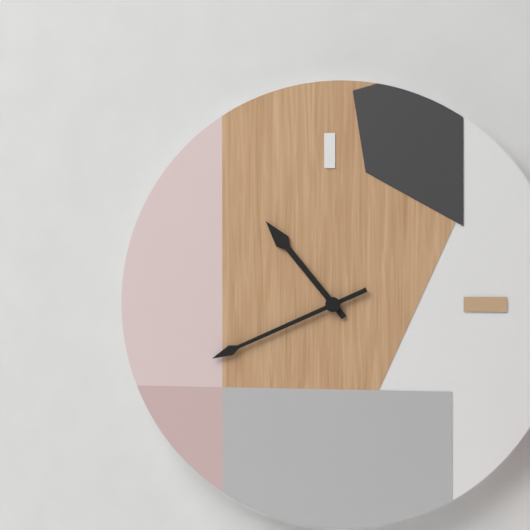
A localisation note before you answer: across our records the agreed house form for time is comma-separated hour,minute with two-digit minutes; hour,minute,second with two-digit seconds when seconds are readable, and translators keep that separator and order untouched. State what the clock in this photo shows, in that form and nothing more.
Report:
10,41
